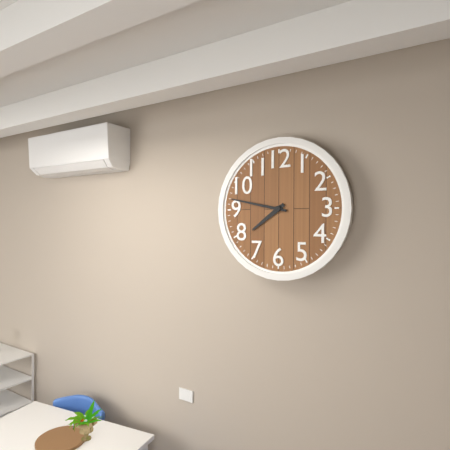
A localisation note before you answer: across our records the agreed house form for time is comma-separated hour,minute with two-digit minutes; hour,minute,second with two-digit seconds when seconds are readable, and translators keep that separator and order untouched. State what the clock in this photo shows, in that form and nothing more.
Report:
7,47
